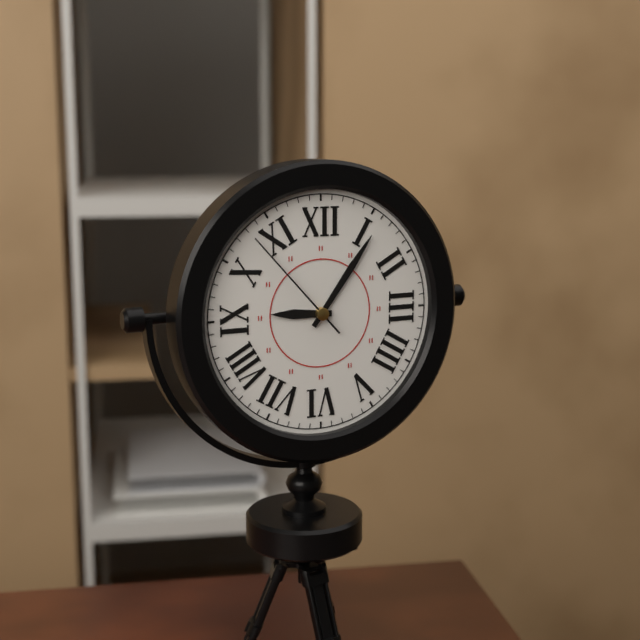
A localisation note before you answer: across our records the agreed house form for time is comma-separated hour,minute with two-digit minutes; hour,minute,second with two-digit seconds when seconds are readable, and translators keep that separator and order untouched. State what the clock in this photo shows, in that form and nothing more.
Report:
9,06,53
